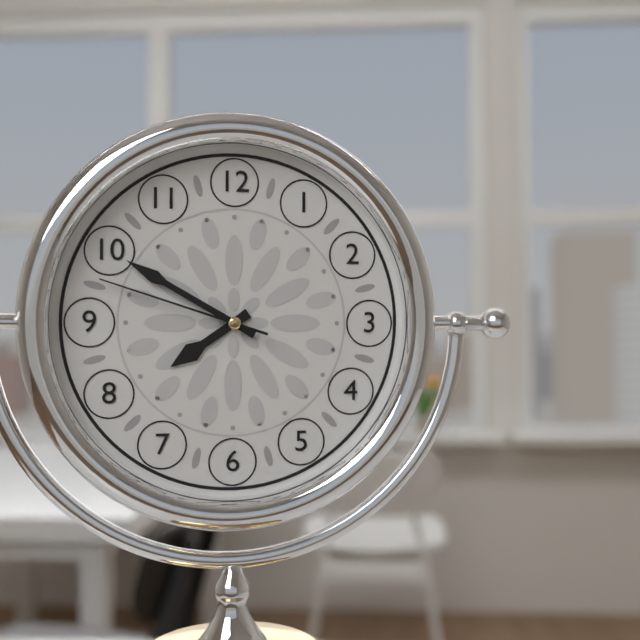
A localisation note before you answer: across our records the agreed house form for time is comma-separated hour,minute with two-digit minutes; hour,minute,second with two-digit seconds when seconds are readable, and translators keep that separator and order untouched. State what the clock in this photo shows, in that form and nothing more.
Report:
7,50,48
